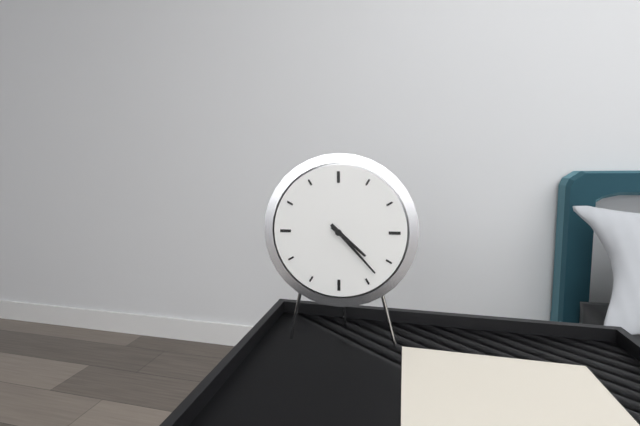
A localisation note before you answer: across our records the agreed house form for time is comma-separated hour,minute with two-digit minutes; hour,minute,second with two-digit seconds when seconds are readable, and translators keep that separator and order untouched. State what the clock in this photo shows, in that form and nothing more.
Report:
4,23
